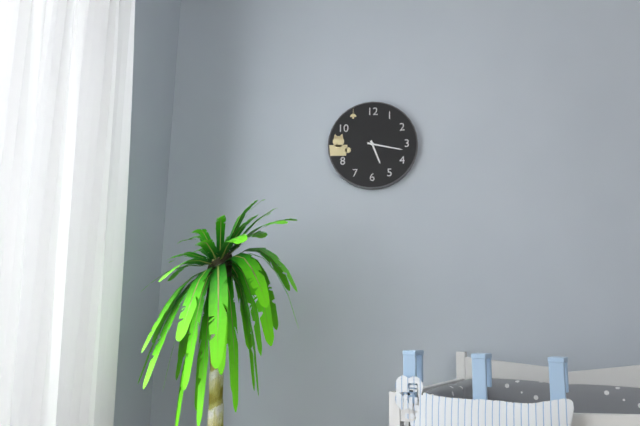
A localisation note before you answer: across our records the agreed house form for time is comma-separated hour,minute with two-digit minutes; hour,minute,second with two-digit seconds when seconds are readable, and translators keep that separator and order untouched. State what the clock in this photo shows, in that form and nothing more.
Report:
5,17
